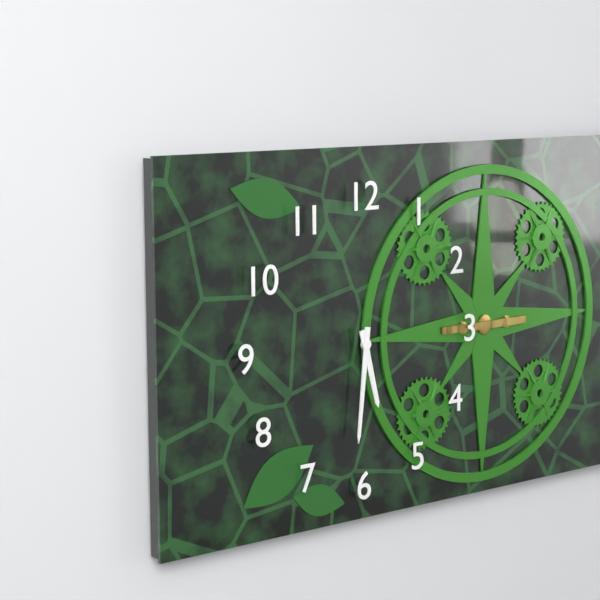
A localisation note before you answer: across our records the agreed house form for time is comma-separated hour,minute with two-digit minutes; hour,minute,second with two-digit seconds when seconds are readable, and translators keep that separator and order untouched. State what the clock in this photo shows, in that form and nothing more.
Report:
5,31
